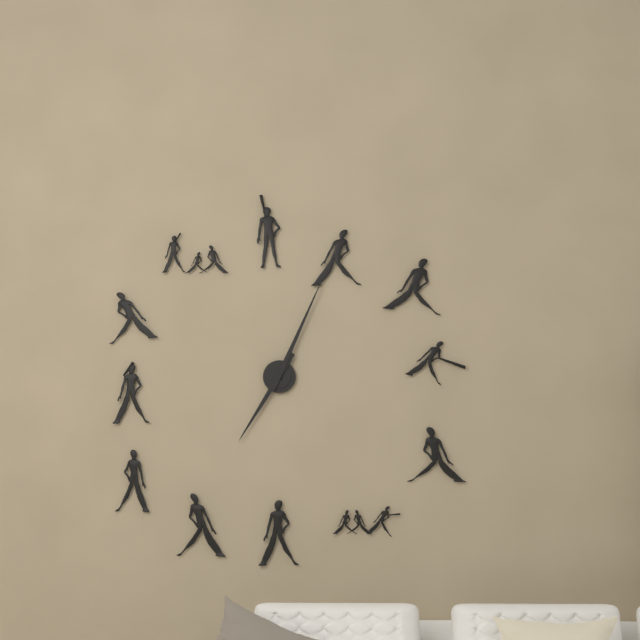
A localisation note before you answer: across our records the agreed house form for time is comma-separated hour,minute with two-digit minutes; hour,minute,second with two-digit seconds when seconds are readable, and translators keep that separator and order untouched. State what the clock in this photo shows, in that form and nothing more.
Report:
7,04
